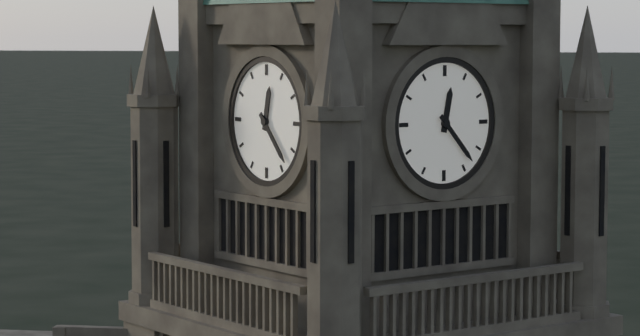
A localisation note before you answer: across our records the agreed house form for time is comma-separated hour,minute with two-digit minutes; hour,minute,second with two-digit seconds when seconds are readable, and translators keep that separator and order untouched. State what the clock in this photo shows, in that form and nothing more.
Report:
12,23
